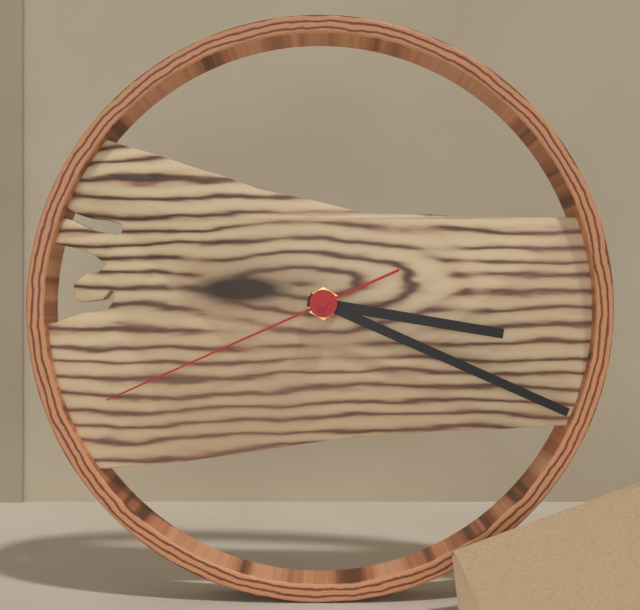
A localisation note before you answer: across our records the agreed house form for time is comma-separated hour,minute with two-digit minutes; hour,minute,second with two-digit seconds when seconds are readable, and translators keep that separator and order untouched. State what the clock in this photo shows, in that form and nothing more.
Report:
3,19,41
